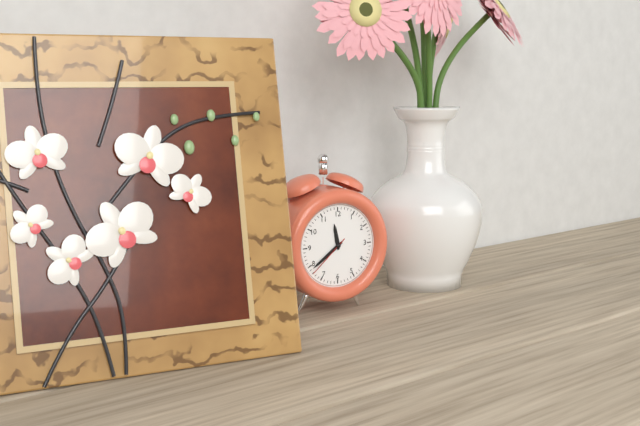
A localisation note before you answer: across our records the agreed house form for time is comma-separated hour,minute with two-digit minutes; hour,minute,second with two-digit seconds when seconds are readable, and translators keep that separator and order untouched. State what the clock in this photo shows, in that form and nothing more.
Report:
11,39
